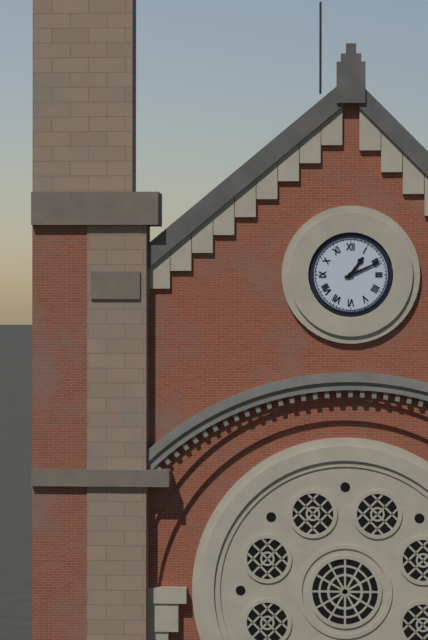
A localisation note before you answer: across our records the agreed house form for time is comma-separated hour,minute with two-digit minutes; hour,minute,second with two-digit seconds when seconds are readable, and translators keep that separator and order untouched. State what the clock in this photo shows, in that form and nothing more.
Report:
1,11
